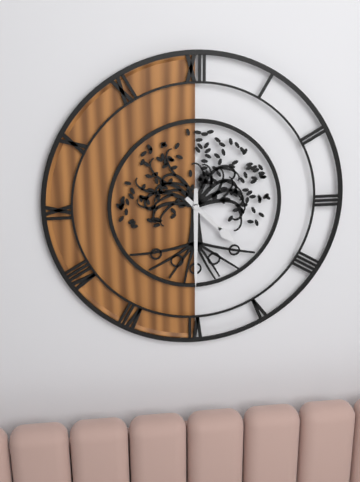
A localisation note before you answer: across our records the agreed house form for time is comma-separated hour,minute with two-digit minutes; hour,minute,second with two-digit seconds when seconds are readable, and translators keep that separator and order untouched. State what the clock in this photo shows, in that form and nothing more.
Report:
4,30
